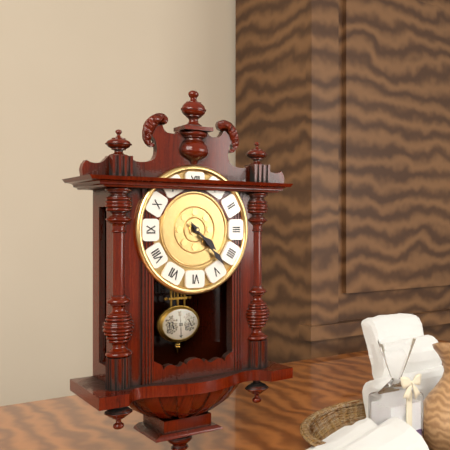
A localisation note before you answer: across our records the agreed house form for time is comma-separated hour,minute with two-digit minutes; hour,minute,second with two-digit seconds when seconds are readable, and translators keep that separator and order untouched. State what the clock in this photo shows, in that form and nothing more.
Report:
4,23
